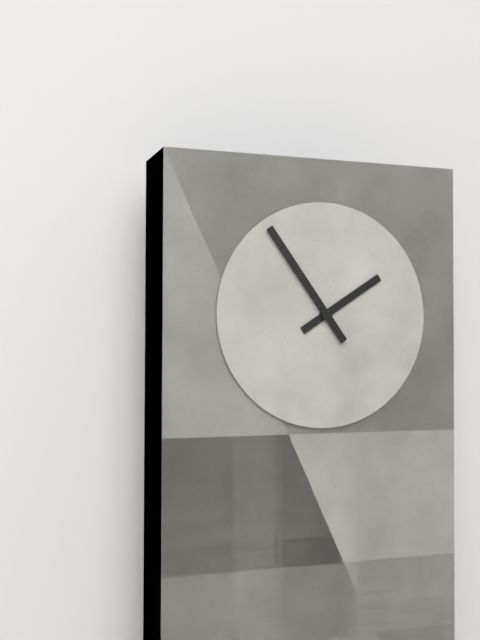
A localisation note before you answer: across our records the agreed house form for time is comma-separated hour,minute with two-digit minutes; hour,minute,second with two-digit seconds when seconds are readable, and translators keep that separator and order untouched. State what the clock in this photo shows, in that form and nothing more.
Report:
1,54
